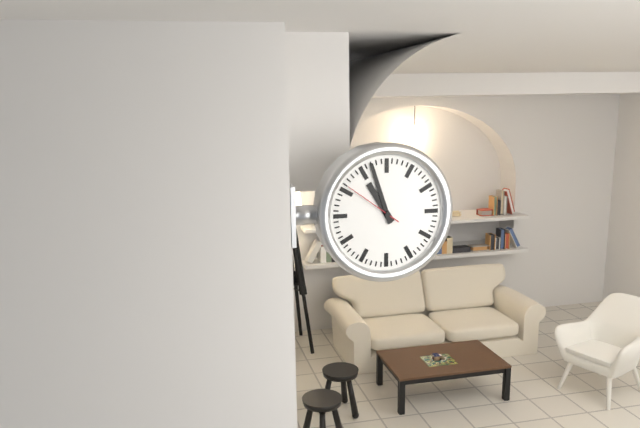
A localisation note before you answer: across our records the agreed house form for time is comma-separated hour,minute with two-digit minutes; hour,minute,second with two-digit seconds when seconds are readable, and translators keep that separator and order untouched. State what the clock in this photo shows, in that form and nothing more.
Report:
10,57,51
